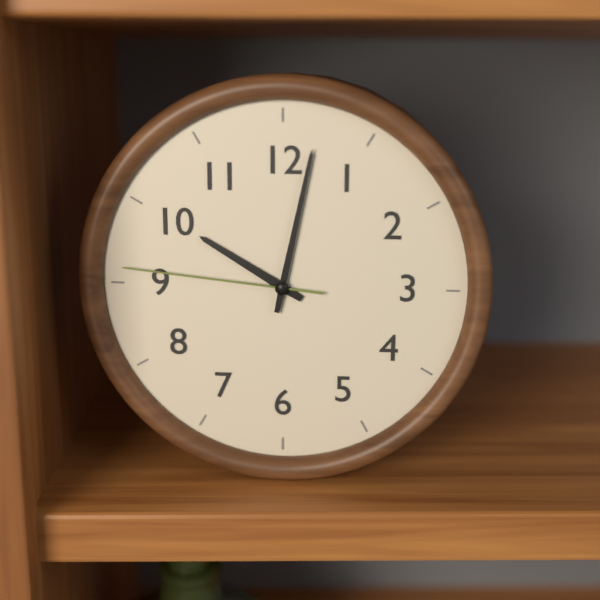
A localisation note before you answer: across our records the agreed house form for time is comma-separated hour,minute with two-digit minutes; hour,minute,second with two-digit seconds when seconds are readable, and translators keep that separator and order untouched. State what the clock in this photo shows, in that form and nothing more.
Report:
10,02,46
